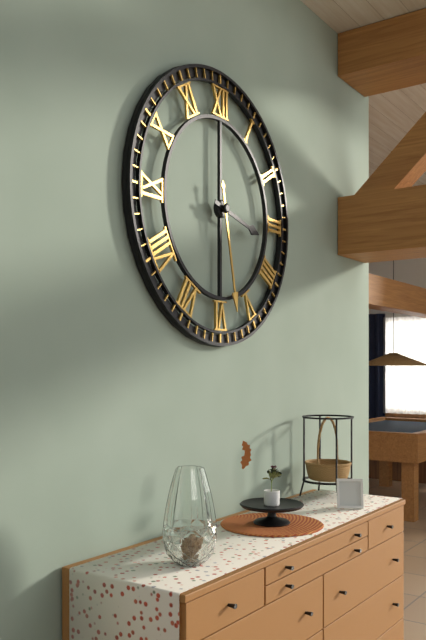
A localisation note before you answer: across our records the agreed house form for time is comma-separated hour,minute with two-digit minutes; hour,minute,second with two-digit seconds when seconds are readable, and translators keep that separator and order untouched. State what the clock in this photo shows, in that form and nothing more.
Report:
3,28
